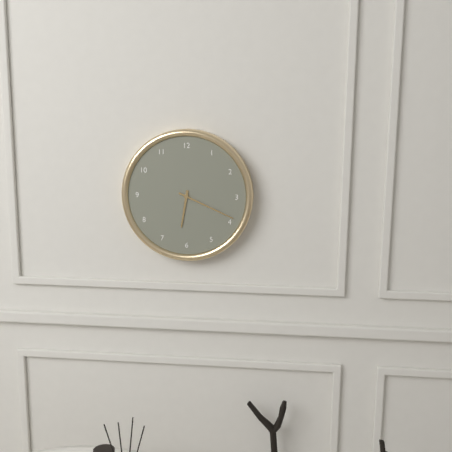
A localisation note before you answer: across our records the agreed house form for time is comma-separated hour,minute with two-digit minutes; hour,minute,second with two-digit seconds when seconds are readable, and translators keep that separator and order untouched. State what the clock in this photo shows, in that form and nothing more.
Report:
6,19
